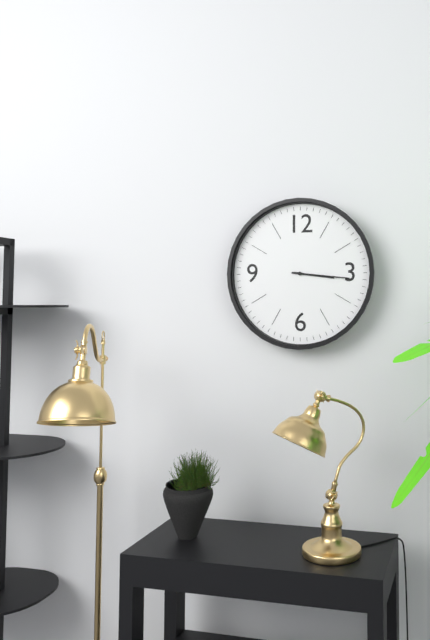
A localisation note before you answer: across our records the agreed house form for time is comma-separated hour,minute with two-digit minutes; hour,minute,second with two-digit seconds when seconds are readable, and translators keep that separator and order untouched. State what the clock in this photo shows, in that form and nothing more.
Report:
3,16
